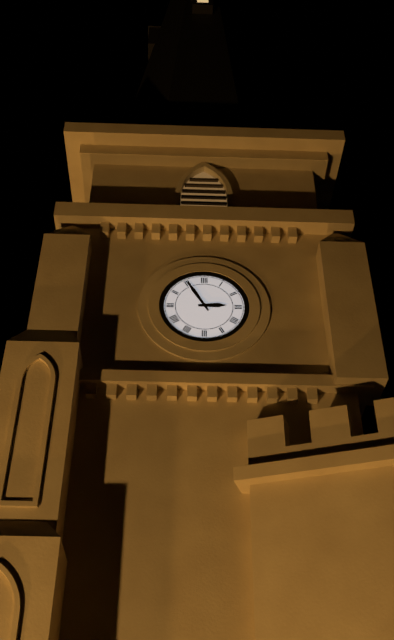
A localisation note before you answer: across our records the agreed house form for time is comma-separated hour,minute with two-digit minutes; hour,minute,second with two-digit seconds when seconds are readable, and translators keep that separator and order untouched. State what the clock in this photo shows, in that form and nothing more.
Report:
2,55
